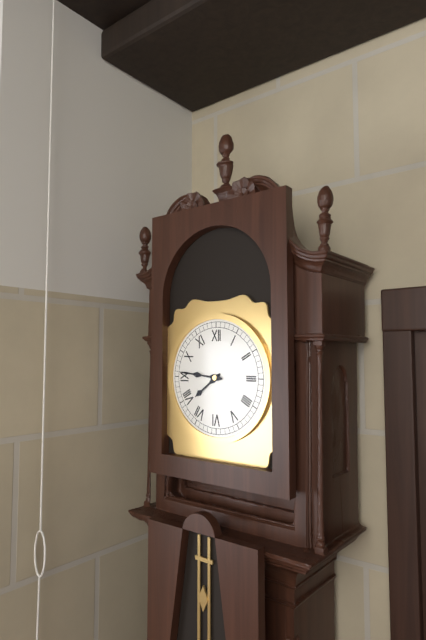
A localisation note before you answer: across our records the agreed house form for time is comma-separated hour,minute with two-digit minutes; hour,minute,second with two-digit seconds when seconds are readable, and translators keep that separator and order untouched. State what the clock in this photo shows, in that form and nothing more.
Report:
7,46
